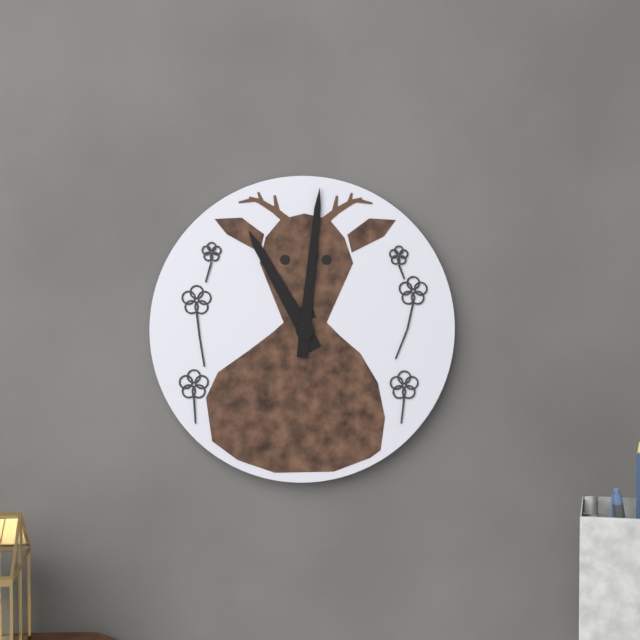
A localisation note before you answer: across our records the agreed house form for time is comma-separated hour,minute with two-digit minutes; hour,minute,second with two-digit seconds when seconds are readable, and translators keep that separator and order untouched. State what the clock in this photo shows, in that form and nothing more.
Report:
11,01
